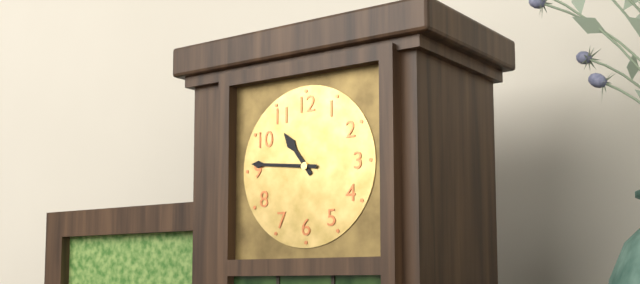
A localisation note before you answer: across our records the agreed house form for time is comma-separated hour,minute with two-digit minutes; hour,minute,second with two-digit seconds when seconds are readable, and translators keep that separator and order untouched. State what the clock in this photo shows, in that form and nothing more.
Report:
10,46
